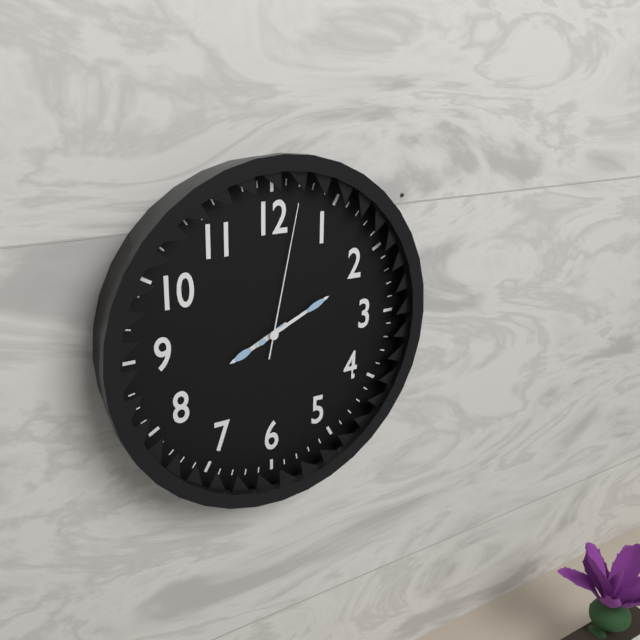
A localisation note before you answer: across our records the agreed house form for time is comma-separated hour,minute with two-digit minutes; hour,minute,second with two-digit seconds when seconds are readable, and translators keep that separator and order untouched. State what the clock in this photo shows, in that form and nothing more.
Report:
8,11,02
